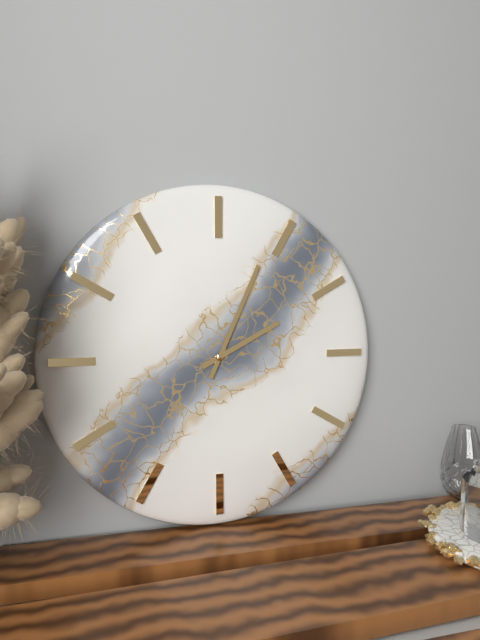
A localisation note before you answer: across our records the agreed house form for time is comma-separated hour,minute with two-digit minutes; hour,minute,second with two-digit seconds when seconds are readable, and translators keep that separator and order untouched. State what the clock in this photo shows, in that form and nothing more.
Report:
2,04
